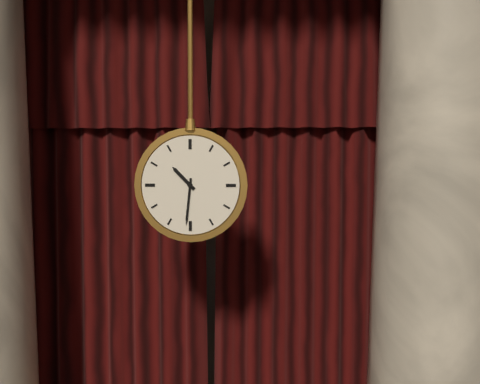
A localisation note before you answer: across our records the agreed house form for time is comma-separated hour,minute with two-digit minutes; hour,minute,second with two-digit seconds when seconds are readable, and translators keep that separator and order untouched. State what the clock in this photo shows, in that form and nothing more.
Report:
10,31
